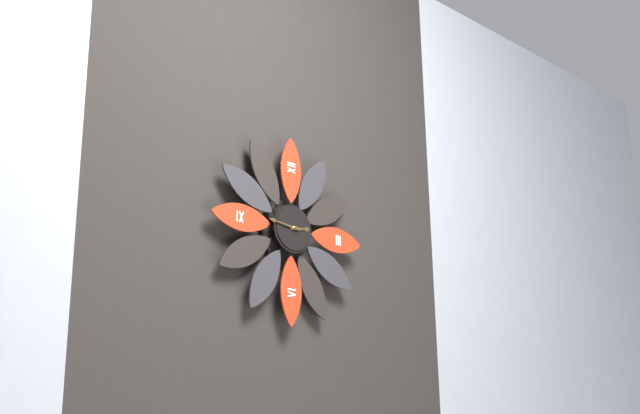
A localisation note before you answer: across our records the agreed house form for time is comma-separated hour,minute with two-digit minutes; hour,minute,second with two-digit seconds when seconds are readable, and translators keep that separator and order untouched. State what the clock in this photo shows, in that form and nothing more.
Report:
2,46
